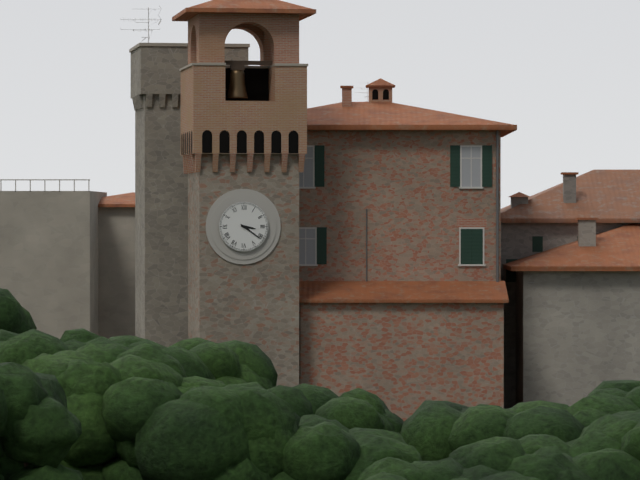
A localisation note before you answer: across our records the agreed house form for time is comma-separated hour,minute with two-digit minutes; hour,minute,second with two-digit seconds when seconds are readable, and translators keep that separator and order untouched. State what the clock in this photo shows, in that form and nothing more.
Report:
3,21
